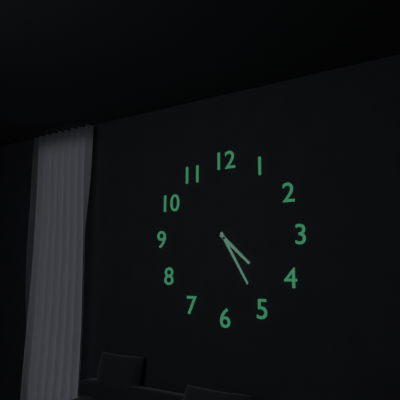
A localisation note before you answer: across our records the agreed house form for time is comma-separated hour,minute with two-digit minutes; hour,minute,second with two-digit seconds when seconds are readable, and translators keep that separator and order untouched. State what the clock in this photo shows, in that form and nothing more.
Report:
4,25
